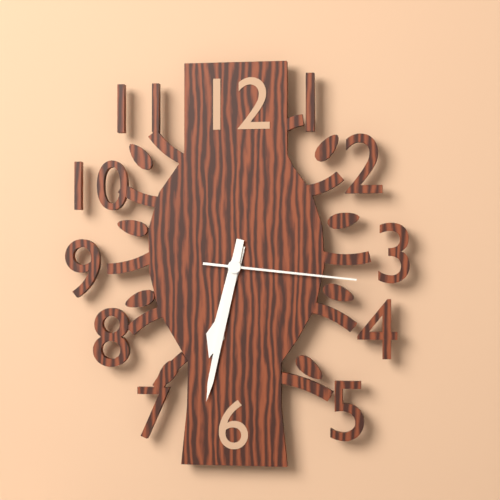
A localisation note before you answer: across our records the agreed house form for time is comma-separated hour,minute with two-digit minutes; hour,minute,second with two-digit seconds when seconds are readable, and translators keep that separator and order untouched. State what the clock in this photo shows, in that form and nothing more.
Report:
6,32,16
